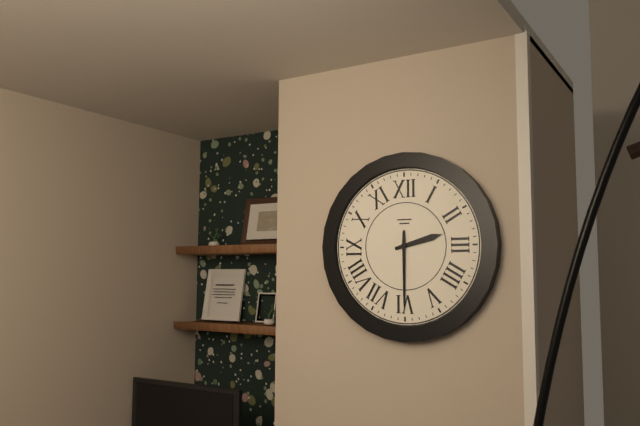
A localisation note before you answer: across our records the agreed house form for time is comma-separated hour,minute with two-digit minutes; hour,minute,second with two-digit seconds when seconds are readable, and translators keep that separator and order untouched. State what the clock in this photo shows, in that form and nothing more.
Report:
2,30
